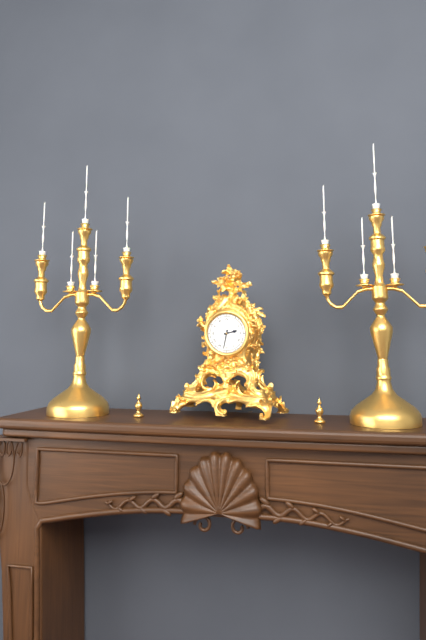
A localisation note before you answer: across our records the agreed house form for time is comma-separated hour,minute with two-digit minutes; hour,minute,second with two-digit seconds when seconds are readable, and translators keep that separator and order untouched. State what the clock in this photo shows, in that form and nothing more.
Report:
2,32
